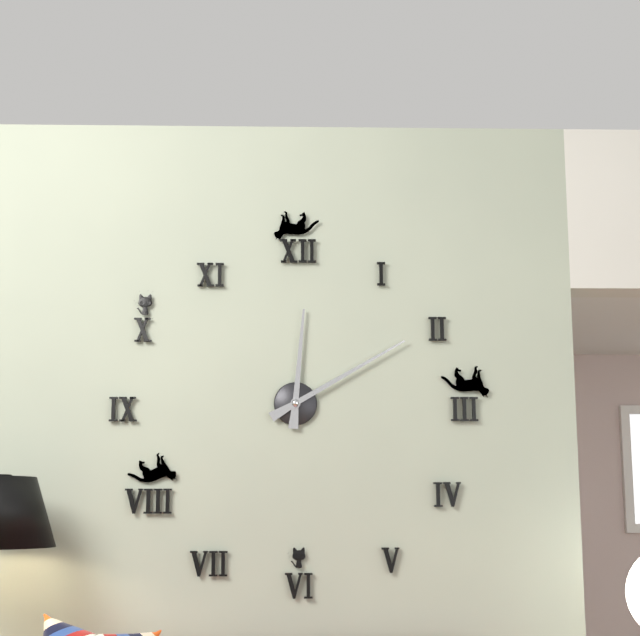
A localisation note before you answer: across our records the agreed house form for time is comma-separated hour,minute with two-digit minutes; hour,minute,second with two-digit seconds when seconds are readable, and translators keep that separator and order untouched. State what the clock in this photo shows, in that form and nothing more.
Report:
12,10
